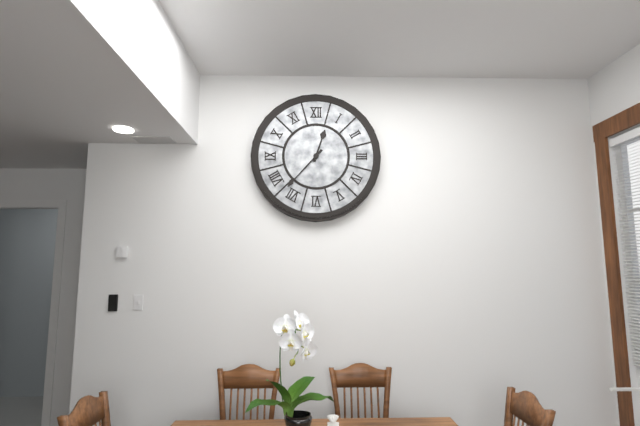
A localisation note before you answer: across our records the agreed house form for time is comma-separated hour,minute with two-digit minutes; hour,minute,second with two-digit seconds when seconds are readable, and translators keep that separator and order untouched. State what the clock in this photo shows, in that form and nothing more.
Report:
12,37
